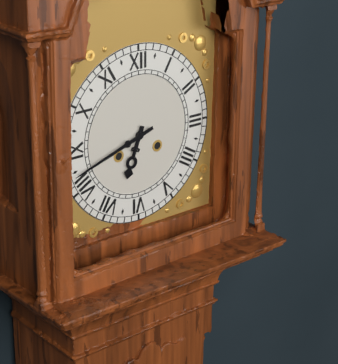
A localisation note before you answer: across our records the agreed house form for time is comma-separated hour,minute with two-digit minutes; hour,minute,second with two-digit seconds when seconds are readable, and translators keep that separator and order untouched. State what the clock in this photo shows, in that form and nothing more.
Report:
6,42
